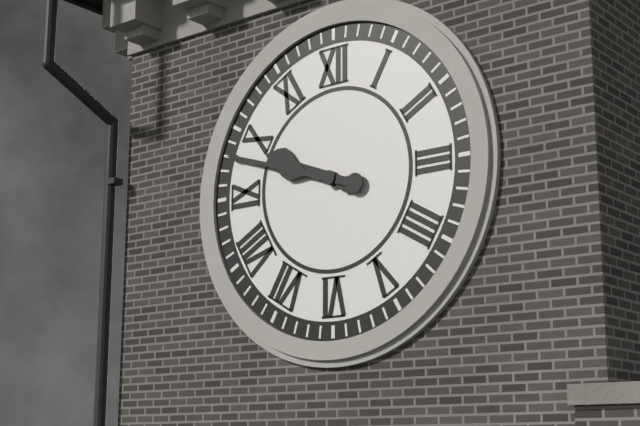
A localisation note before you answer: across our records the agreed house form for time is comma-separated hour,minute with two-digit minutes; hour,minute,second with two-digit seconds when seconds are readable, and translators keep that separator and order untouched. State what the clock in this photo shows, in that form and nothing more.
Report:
9,48
